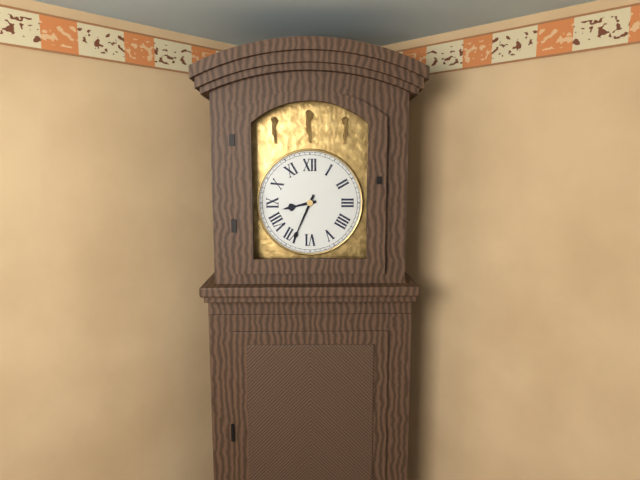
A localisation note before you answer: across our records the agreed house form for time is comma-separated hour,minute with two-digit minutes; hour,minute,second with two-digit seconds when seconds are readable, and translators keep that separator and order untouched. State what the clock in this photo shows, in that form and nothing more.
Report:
8,34
